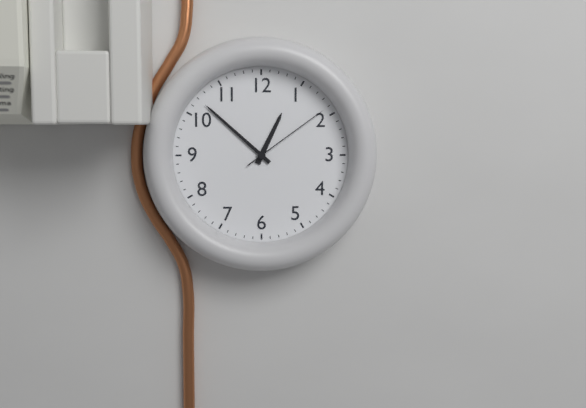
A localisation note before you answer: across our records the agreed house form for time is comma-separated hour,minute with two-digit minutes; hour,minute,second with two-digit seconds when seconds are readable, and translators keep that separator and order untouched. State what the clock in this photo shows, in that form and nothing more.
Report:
12,52,09
